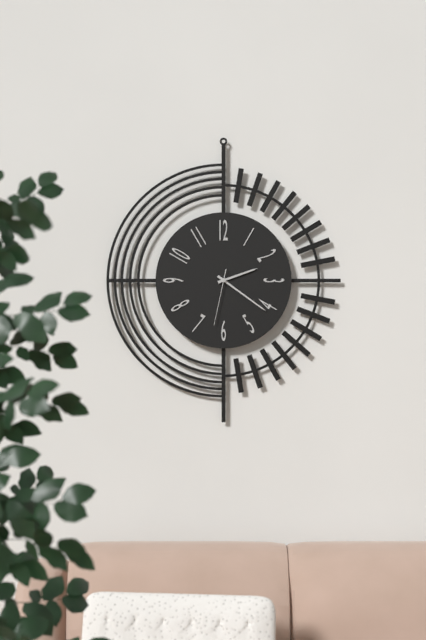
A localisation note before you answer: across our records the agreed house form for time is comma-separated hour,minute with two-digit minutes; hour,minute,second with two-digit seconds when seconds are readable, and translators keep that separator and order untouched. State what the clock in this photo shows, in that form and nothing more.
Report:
2,21,32
